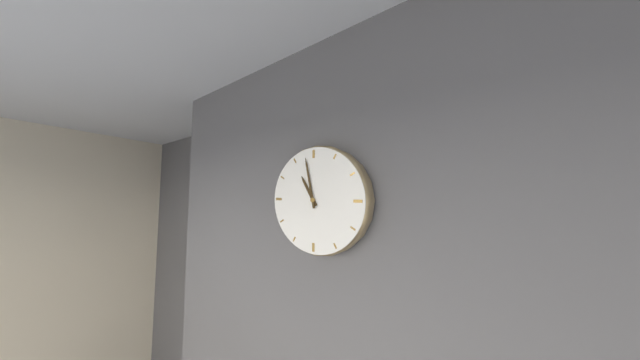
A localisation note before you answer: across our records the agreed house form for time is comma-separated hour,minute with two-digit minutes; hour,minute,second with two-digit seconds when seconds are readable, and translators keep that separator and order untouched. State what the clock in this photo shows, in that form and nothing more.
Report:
10,58
